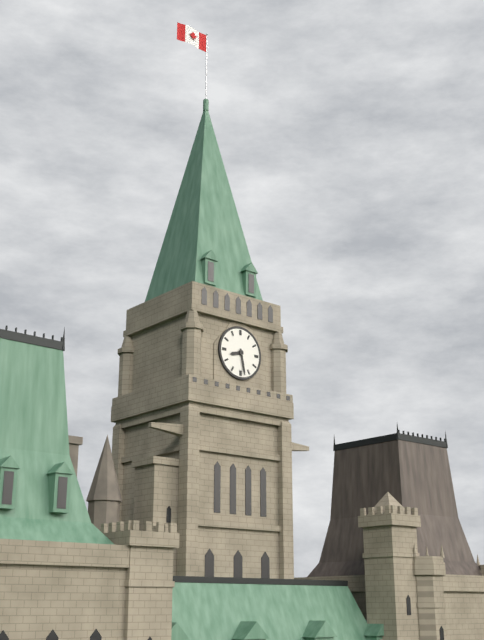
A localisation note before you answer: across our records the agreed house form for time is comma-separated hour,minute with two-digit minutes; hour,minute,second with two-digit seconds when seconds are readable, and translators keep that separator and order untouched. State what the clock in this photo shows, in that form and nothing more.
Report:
8,28
